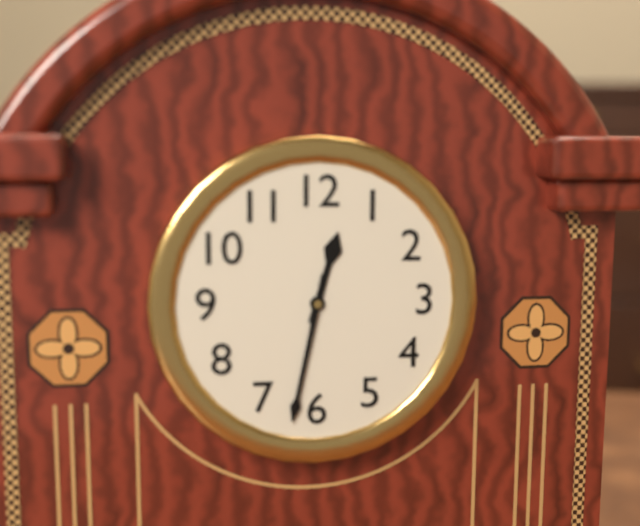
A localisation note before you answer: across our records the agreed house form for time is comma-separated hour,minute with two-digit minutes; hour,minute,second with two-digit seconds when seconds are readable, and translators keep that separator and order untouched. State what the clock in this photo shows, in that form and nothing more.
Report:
12,32
